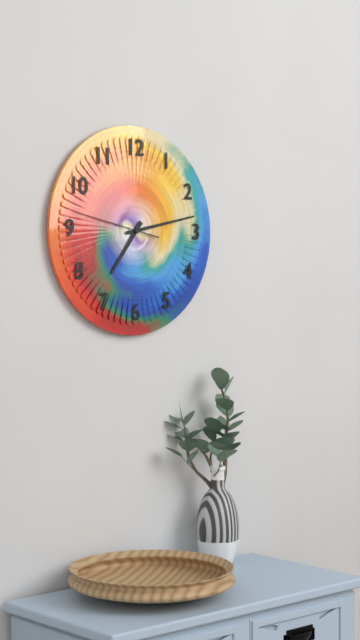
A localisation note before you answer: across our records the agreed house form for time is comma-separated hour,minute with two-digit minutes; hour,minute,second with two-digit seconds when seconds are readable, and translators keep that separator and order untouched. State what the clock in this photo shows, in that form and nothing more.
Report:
7,13,47
